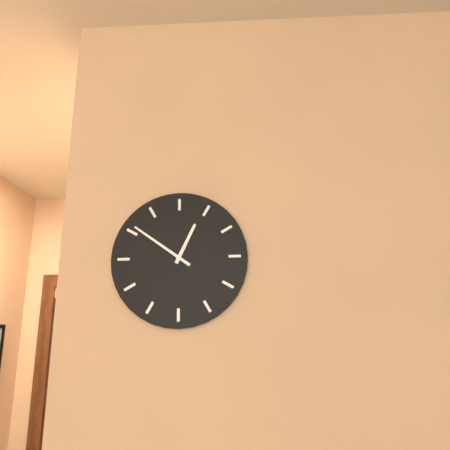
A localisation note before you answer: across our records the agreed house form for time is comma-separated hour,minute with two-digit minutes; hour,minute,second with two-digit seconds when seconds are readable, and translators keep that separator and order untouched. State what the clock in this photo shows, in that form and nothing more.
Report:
12,51
